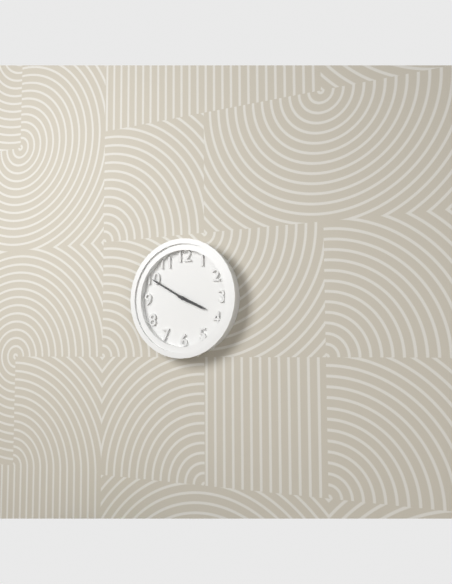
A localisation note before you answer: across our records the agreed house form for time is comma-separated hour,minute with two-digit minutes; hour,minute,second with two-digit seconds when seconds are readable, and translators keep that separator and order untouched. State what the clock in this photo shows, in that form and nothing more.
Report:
3,50
